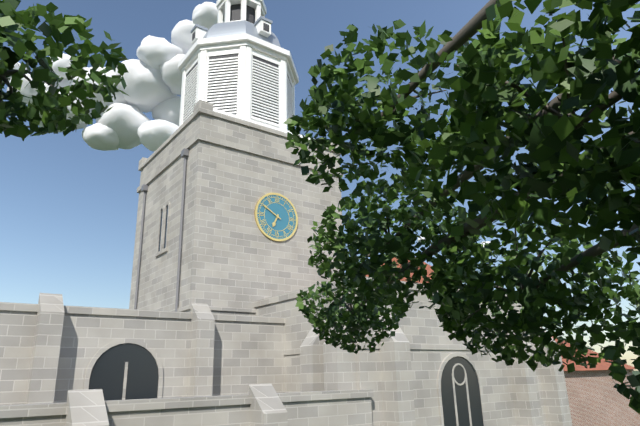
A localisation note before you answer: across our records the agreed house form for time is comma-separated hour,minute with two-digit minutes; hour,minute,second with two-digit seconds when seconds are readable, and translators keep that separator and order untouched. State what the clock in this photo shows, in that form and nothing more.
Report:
6,50
